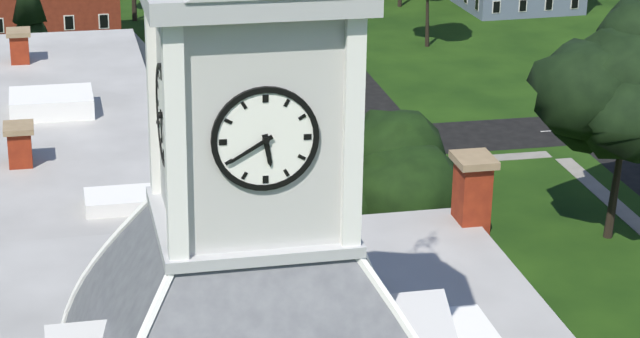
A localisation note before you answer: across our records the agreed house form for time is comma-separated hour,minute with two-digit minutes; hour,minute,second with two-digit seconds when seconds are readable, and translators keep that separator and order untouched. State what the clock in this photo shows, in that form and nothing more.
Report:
5,40
